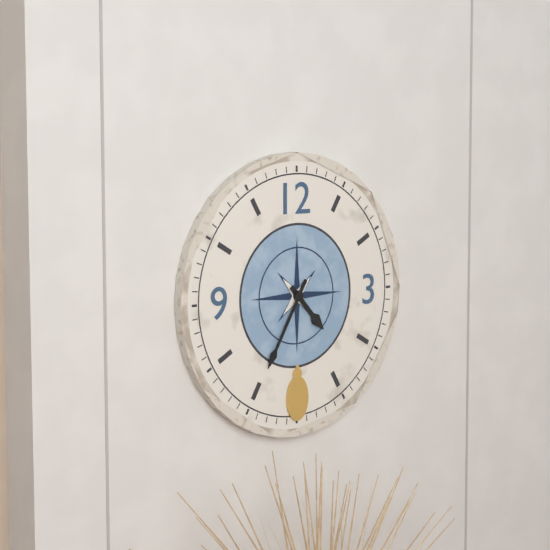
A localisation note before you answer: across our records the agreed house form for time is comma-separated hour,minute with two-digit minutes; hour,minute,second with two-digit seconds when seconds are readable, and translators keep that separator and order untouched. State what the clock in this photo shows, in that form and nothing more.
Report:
4,35
